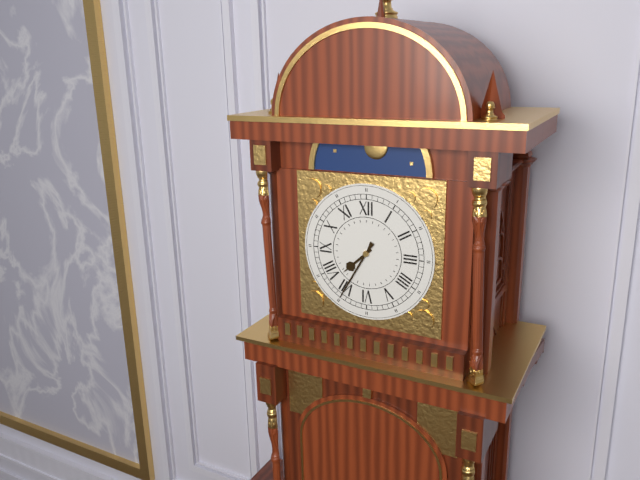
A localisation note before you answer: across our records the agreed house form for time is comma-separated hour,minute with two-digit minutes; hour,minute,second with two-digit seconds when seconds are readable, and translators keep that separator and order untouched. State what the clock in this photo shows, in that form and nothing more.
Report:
7,35
